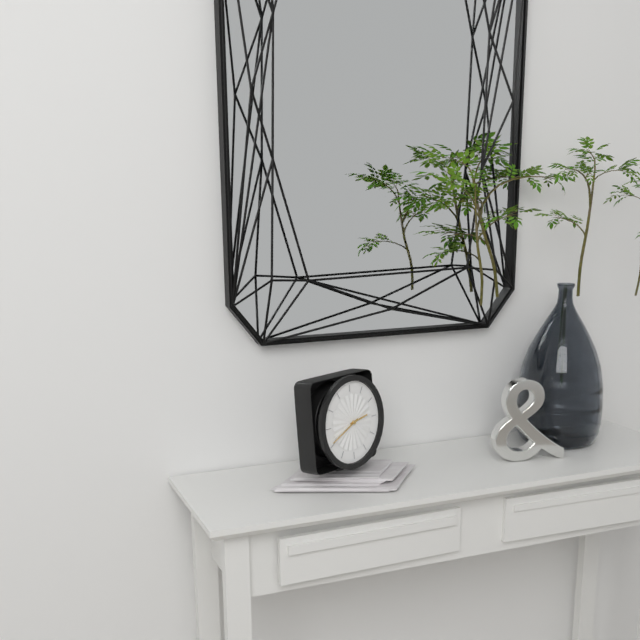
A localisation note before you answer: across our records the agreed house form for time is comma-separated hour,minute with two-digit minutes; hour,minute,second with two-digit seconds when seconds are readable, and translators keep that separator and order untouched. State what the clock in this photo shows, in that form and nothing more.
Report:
2,41
